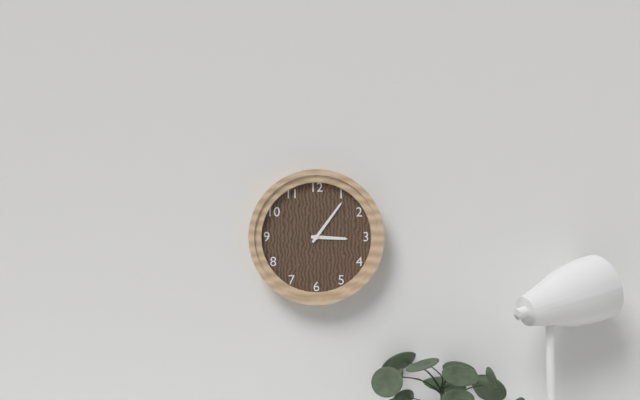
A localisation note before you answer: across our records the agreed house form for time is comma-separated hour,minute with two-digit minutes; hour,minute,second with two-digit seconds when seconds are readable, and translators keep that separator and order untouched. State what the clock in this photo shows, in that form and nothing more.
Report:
3,06
